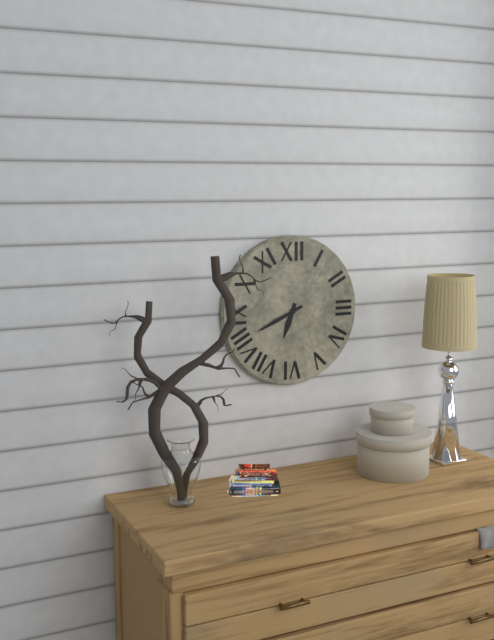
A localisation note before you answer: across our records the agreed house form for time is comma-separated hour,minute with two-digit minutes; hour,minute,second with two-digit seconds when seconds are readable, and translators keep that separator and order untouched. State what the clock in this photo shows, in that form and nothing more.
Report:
6,41
